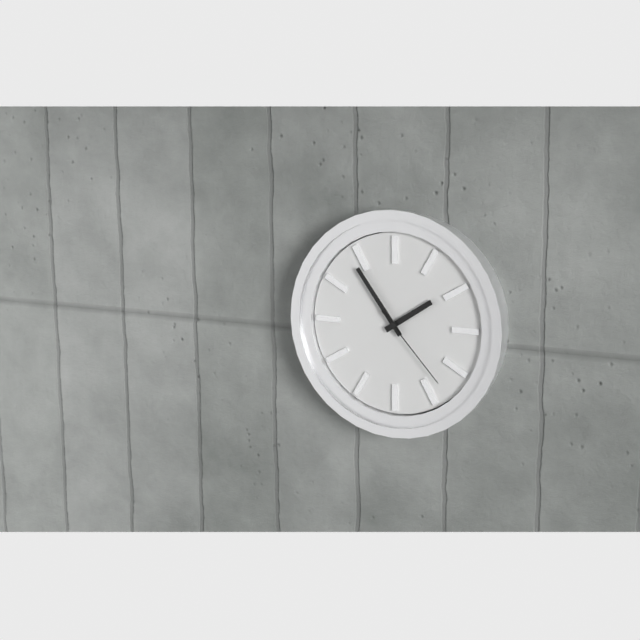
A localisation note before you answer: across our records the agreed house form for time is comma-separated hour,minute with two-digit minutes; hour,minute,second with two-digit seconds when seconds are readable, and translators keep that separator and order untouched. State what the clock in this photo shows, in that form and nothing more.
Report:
1,54,23
